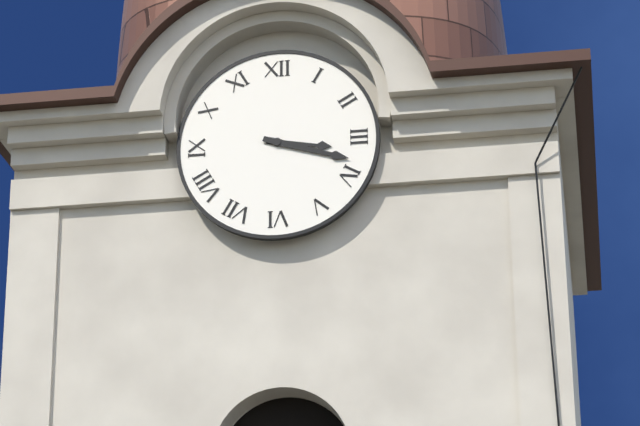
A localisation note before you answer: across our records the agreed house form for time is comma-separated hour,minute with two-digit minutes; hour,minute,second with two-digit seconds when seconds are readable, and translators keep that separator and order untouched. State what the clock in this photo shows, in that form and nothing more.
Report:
3,18
